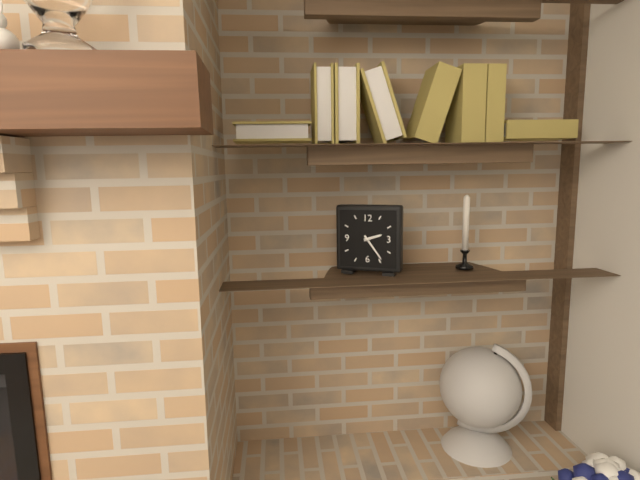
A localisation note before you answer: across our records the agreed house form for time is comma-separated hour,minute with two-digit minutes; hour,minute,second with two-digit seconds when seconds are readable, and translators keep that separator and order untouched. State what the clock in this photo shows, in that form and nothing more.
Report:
2,24
